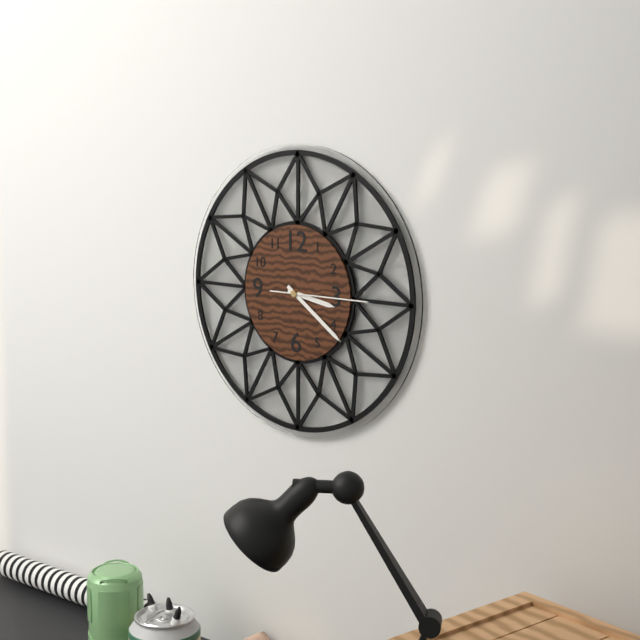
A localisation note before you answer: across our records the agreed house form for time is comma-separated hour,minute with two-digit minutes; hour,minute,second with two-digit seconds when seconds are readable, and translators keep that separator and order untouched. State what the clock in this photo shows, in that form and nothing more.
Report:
3,21,15
